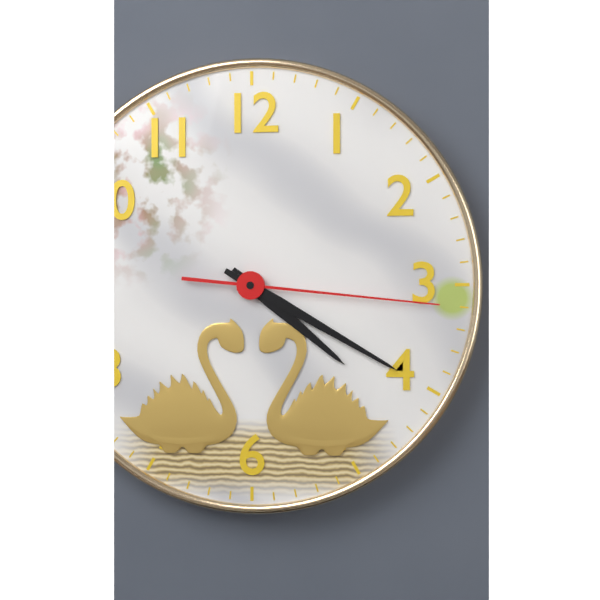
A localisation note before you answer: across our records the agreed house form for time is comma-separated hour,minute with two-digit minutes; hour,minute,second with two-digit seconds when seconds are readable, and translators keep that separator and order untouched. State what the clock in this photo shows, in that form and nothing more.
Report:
4,20,16
